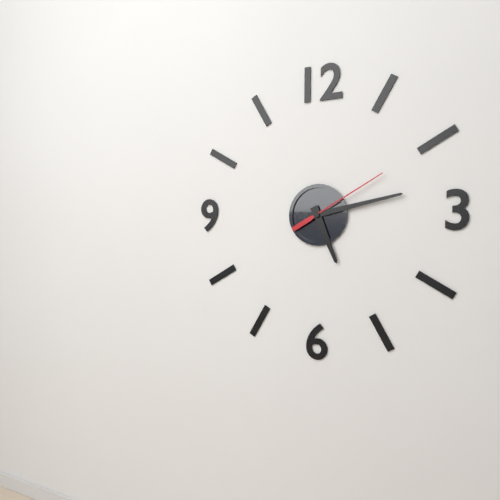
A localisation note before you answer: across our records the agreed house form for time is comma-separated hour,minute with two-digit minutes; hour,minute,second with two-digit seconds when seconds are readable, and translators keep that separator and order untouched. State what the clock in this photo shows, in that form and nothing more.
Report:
5,13,10
